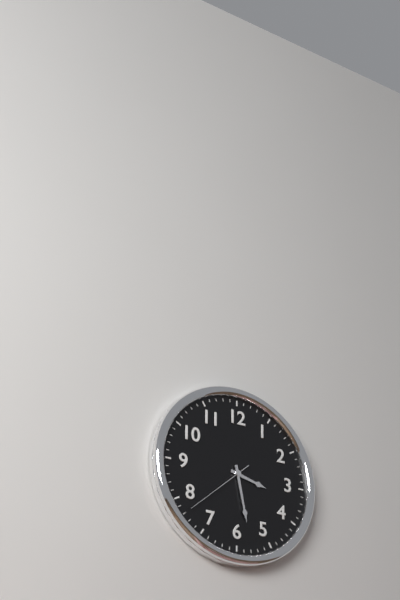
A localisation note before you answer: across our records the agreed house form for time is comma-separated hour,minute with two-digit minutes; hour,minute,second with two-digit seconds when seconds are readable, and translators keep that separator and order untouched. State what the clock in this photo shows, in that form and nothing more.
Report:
3,28,38
